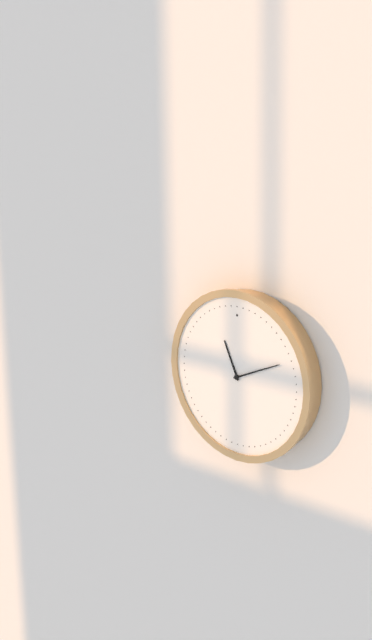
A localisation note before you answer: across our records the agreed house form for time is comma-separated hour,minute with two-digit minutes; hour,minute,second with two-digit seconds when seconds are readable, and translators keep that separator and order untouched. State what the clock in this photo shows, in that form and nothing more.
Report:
11,11
